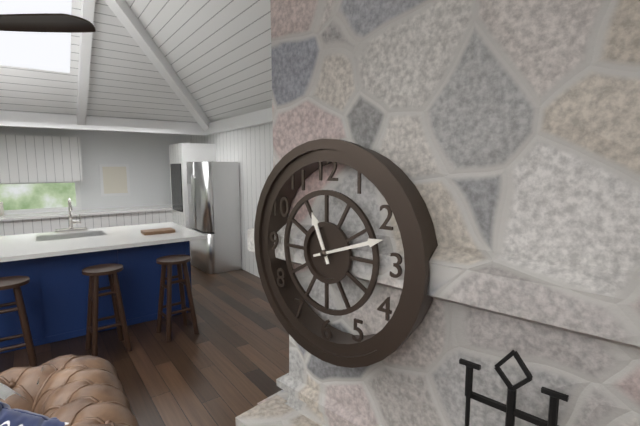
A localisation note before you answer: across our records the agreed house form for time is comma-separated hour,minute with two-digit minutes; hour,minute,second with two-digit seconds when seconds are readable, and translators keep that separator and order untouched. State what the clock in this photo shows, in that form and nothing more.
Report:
11,12
